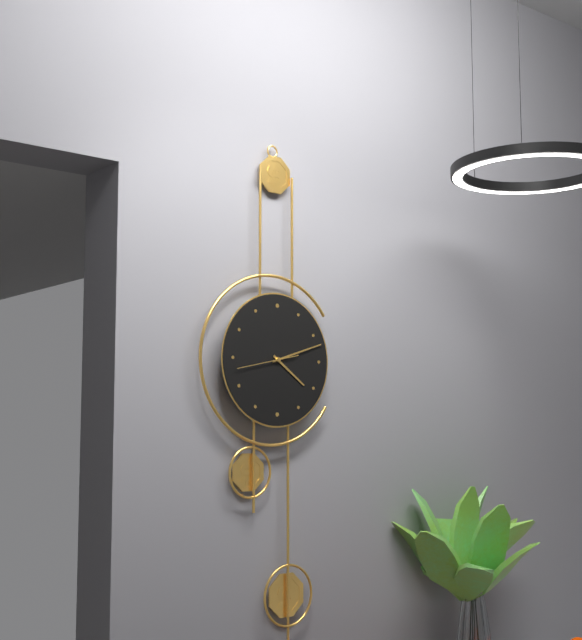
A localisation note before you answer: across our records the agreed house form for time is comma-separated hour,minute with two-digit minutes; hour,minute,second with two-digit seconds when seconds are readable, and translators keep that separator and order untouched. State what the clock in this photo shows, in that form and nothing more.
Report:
4,12,43
